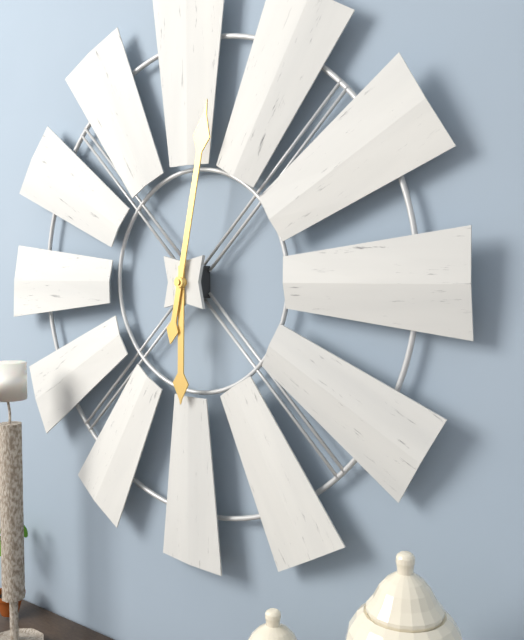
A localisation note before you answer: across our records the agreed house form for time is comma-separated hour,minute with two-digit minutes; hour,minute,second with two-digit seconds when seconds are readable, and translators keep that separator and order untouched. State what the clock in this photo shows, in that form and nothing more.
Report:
6,02
